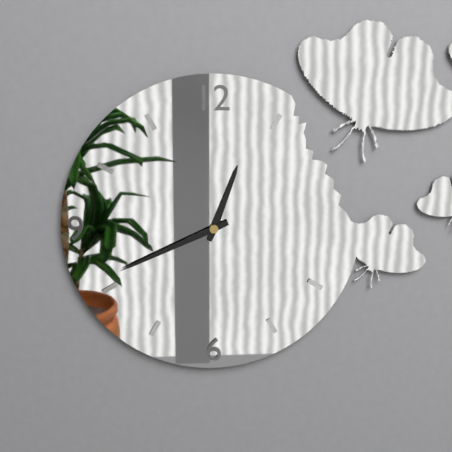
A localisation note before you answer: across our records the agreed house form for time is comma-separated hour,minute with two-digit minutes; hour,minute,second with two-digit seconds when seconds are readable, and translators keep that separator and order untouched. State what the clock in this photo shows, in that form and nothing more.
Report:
12,41
